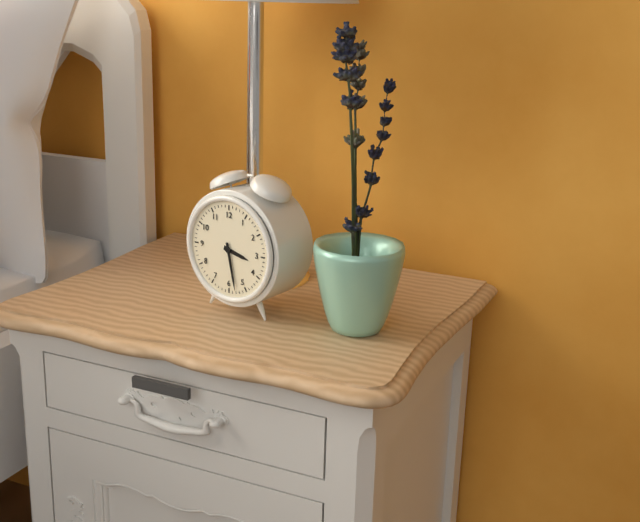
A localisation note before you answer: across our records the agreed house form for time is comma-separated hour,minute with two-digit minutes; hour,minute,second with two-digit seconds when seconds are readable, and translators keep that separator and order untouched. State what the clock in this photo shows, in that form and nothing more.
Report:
3,28
